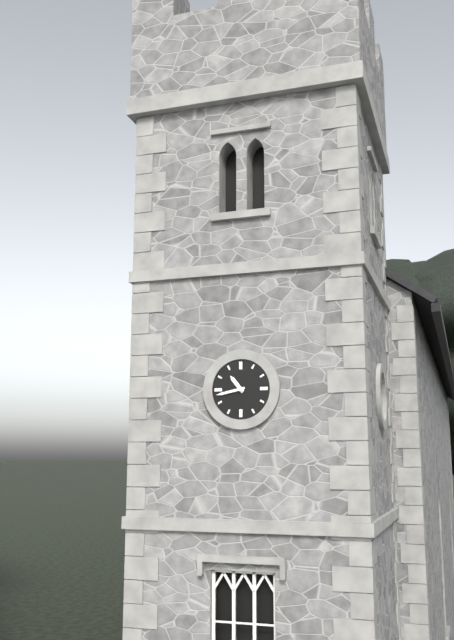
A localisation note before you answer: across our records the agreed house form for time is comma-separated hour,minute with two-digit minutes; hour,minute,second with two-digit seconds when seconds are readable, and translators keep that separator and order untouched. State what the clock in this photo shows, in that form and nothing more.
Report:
10,43
